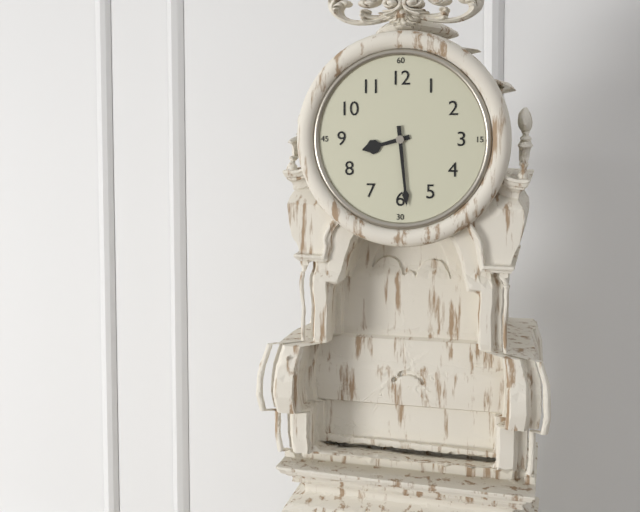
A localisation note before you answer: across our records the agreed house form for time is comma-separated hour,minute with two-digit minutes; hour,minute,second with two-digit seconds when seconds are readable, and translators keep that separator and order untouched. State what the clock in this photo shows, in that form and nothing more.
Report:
8,29
